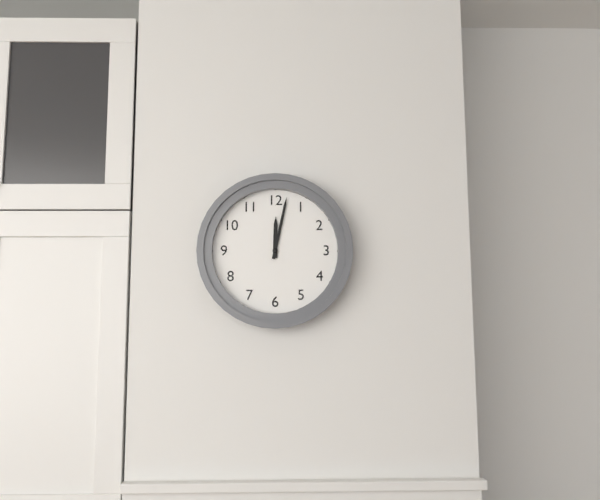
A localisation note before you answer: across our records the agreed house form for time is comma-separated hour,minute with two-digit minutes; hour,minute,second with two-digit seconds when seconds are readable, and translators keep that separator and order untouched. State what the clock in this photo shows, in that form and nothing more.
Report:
12,02
